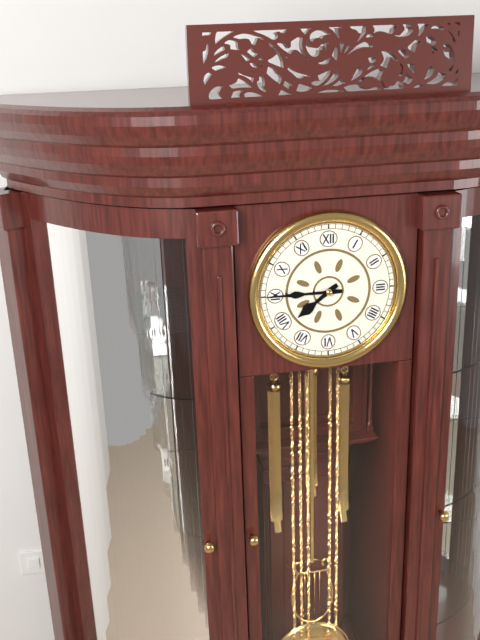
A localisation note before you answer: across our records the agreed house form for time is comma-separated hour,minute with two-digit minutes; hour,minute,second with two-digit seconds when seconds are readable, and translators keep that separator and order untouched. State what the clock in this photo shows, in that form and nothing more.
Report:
7,45
